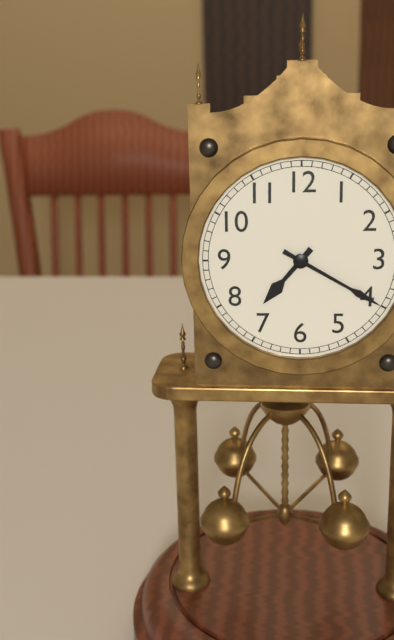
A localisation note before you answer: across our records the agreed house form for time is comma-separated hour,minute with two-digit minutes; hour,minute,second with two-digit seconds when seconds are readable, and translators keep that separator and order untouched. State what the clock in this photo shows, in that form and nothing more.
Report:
7,20
